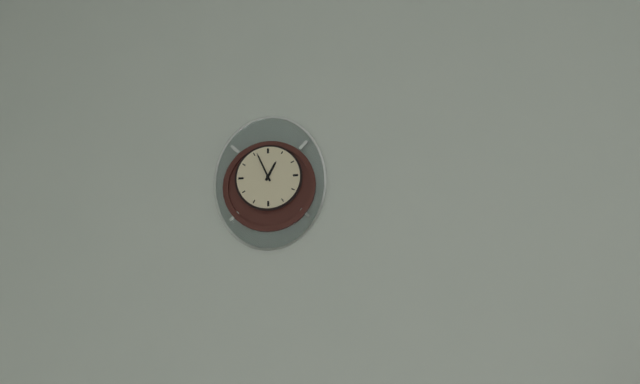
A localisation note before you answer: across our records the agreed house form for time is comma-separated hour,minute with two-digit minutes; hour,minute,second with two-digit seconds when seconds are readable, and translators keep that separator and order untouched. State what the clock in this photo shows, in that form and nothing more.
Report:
12,56
